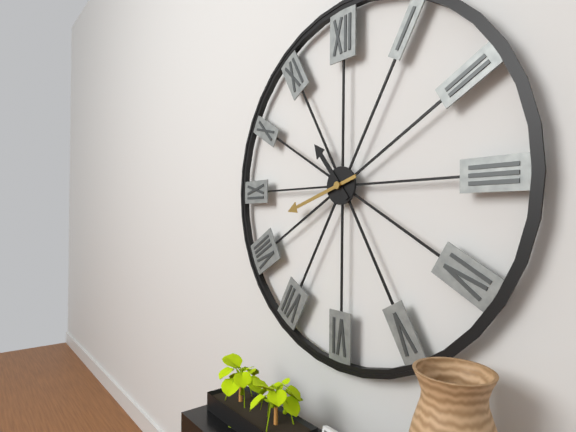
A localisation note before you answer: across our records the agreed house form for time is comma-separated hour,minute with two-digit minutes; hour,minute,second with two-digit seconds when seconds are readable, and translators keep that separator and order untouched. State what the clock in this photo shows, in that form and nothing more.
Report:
10,42
